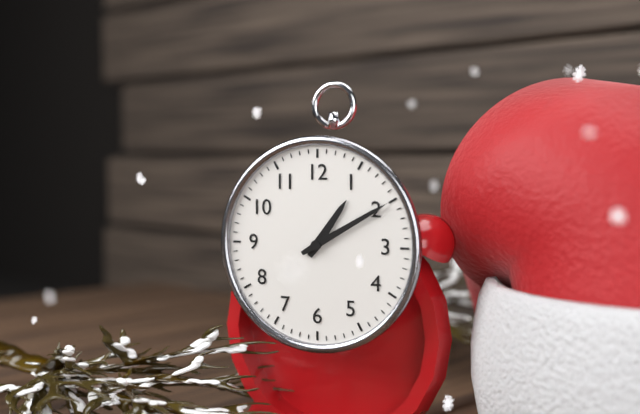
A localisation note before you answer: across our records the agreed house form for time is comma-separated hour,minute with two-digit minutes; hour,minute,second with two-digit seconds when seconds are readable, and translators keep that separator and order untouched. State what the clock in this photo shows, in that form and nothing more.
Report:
1,10
